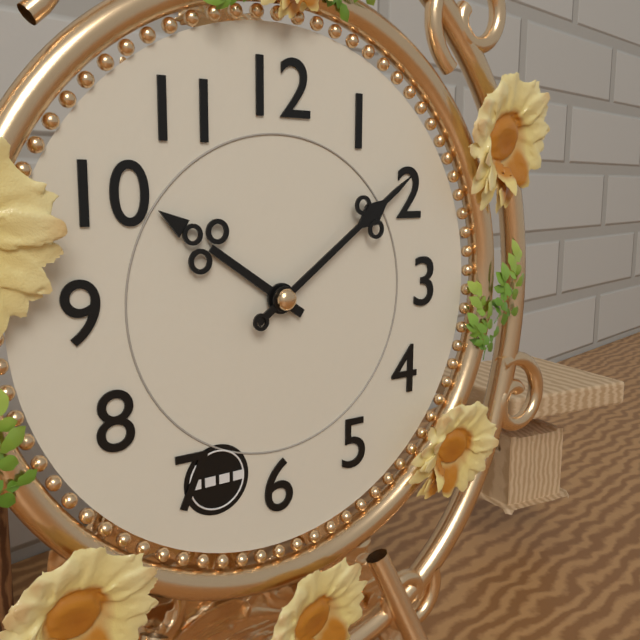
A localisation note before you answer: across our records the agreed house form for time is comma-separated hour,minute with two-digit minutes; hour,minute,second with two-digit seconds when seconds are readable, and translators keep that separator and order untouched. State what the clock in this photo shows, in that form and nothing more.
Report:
10,09
